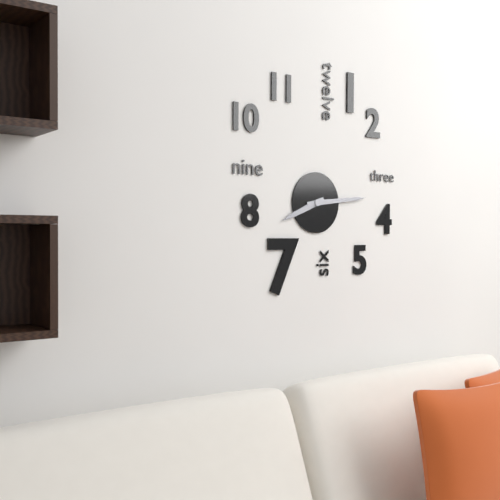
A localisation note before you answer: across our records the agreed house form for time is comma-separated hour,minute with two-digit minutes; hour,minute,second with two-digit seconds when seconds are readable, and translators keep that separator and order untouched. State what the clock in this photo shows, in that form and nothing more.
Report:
8,14
